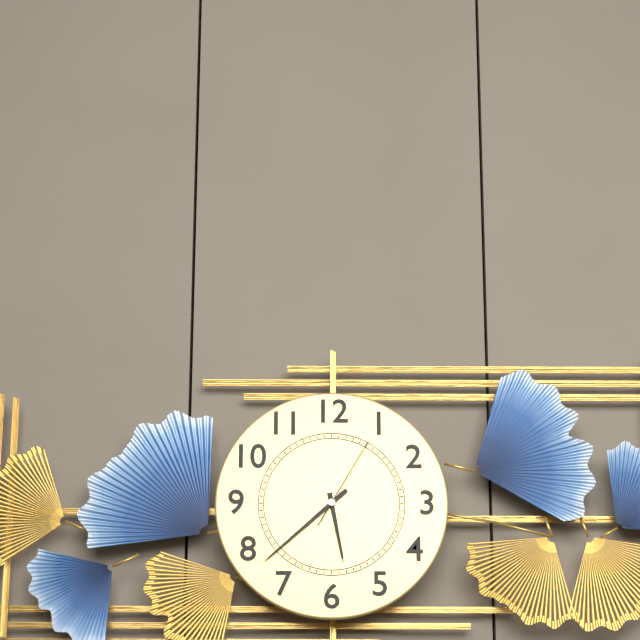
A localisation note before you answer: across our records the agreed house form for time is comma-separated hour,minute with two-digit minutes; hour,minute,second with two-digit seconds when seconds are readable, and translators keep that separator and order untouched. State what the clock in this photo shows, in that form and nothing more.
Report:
5,38,05
